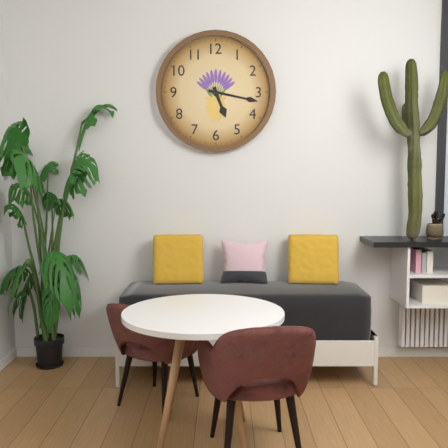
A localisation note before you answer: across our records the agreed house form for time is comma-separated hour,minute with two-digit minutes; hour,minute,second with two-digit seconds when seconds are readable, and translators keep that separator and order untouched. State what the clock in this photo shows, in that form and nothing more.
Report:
5,17
